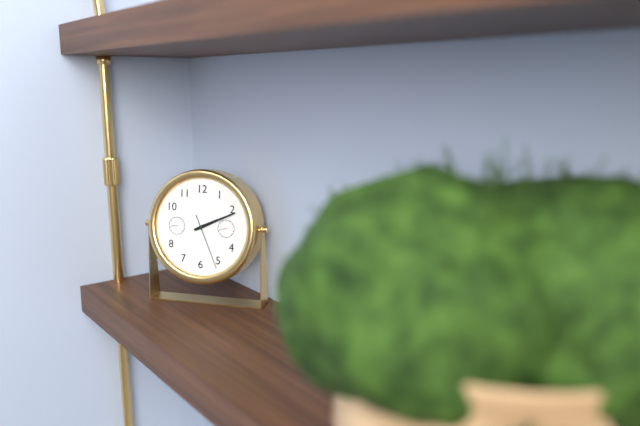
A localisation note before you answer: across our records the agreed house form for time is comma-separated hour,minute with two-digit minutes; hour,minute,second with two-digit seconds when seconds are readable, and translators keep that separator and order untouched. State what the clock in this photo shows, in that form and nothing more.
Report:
2,11,26
